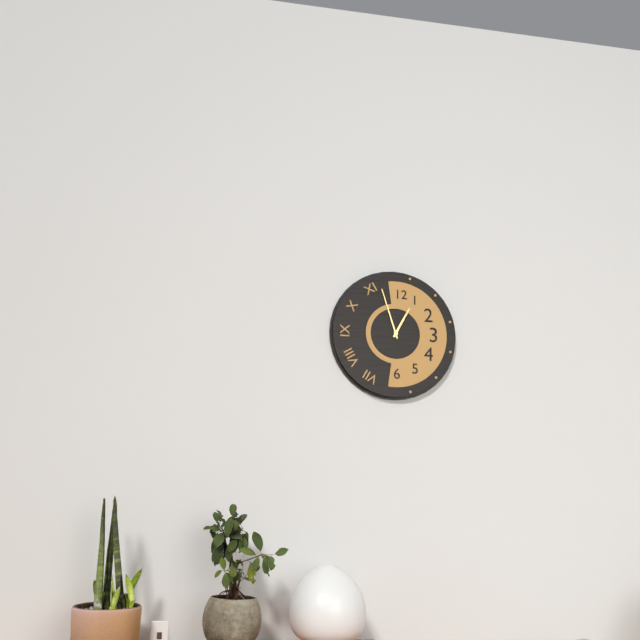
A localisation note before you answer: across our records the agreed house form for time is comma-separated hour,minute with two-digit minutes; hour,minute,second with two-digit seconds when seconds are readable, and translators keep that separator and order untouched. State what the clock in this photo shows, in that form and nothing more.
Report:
12,57
